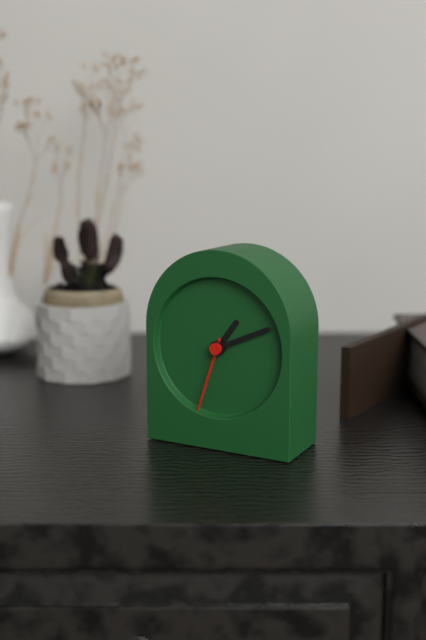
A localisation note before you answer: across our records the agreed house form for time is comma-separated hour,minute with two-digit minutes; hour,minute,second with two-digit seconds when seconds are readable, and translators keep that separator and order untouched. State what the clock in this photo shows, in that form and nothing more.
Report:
1,11,33
